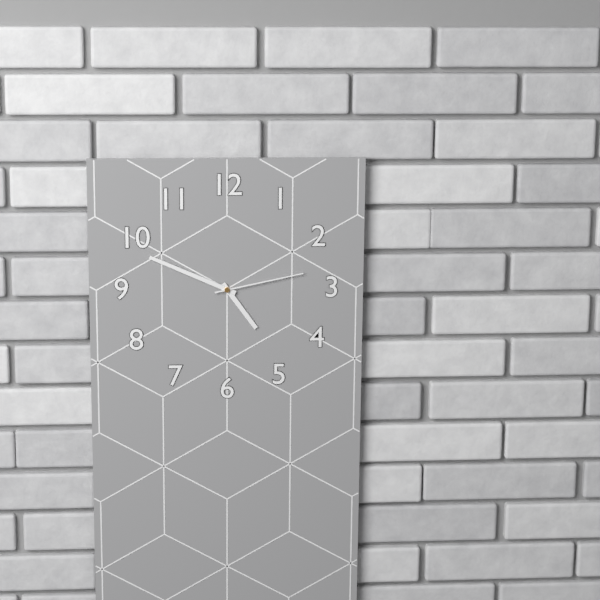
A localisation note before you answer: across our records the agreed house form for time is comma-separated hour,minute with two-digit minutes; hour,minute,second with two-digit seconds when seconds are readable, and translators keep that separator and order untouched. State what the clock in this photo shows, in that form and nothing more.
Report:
4,49,13
